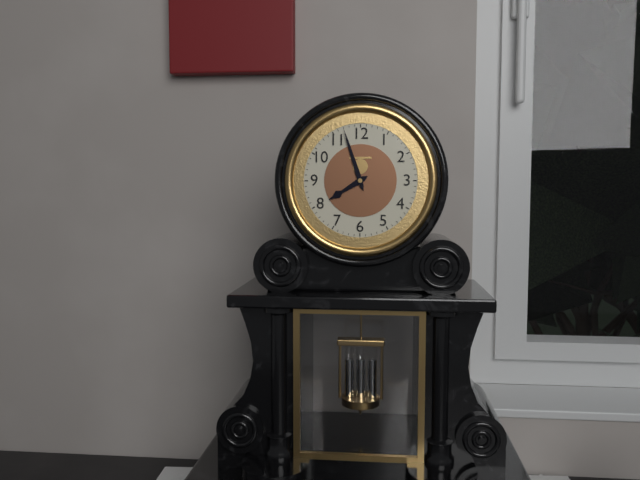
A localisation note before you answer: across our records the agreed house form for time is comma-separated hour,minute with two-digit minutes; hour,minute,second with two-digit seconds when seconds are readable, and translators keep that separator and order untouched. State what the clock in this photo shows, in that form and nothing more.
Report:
7,57
